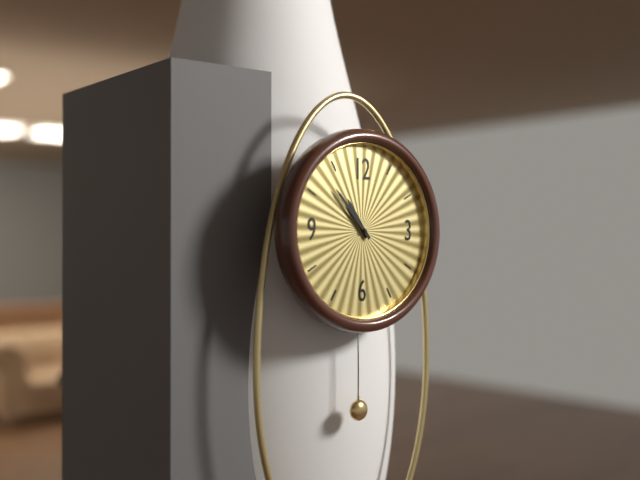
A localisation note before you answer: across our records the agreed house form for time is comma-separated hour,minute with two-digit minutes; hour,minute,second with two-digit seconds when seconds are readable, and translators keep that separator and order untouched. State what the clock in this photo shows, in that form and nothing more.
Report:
10,53
